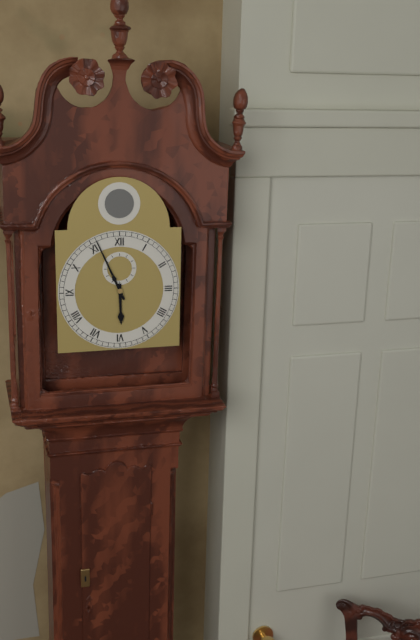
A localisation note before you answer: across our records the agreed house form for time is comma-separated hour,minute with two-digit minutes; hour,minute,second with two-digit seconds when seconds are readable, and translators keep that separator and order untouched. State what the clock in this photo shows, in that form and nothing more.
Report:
5,56
